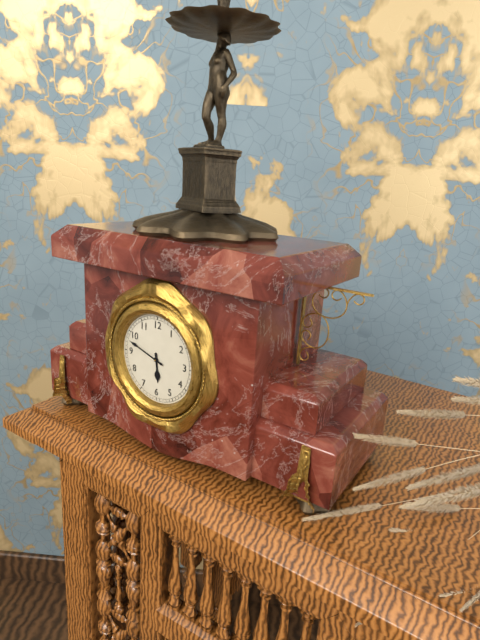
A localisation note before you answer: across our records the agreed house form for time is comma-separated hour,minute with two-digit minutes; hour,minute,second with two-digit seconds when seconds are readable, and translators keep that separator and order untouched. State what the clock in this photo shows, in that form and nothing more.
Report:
5,48
